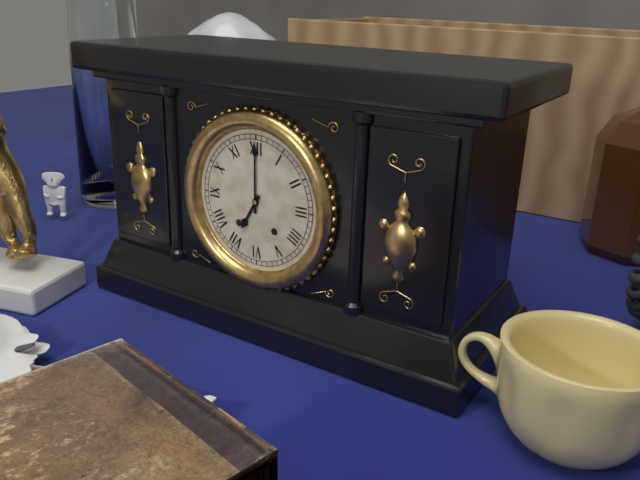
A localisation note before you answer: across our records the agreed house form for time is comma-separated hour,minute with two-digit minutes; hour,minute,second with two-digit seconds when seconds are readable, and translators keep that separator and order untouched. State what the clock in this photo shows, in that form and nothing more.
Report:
7,00
